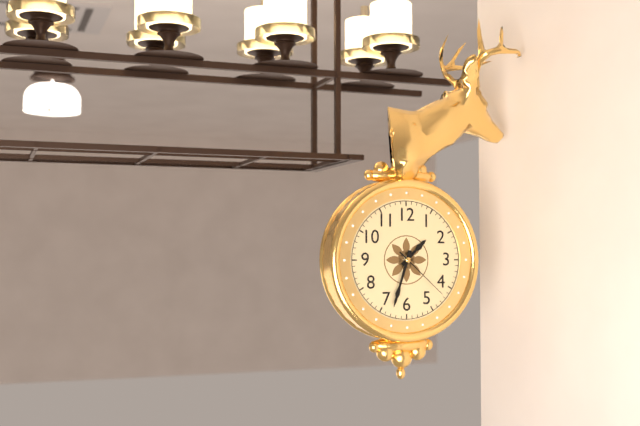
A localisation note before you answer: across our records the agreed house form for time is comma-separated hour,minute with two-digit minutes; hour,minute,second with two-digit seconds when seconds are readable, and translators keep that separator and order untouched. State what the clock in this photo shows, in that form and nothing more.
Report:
1,33,22
